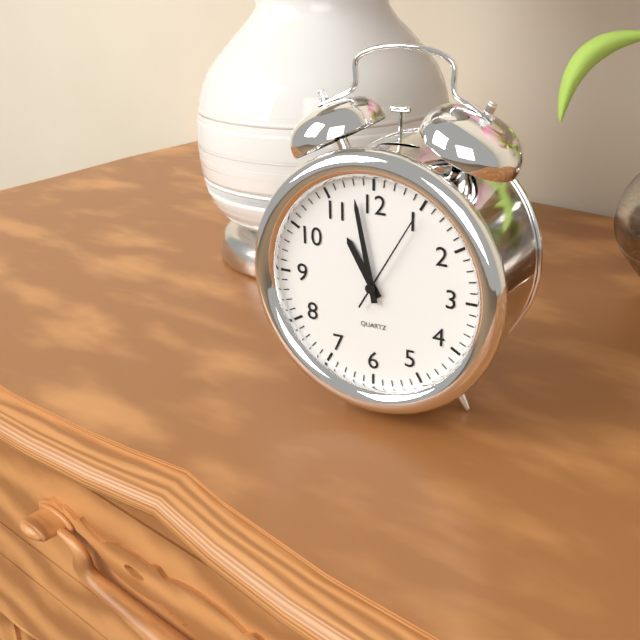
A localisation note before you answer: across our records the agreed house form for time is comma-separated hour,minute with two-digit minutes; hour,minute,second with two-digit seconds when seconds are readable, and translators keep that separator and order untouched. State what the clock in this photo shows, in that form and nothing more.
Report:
10,58,05
